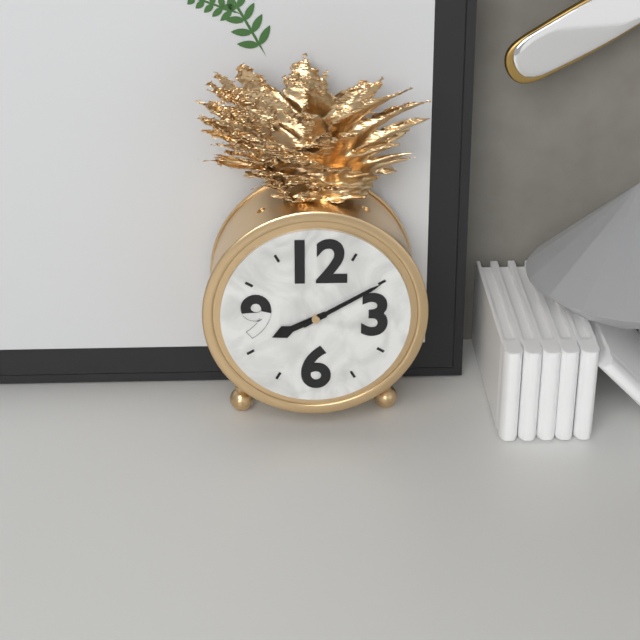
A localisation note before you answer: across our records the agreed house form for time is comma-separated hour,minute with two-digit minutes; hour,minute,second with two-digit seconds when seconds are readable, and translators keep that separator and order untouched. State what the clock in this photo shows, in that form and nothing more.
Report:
8,10
